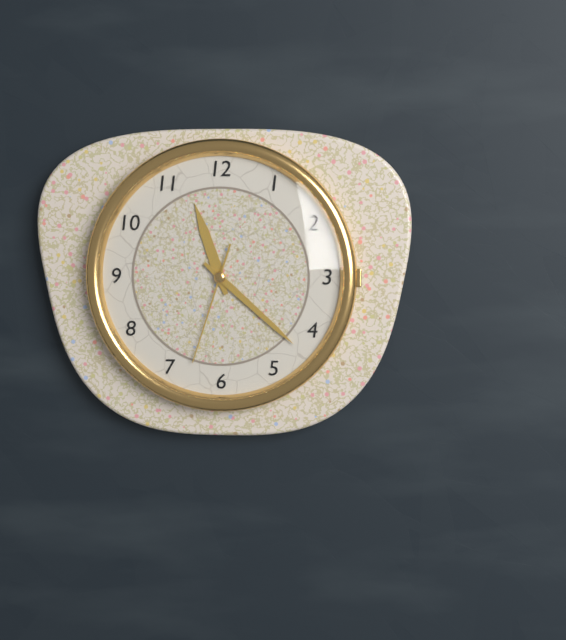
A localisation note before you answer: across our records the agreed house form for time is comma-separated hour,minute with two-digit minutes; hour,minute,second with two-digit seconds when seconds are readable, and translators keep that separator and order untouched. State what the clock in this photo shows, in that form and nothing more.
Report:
11,22,33
